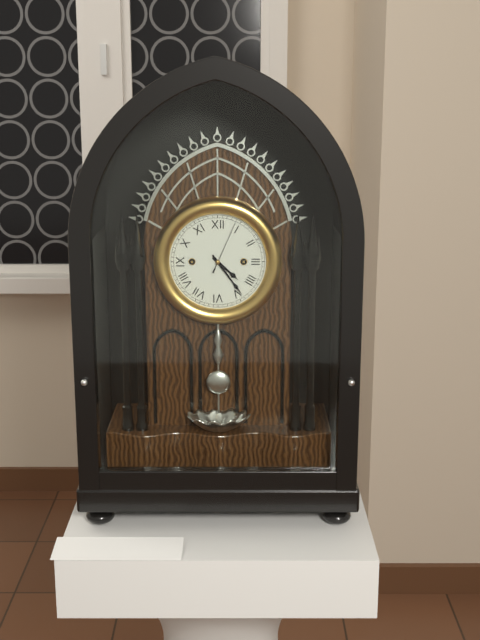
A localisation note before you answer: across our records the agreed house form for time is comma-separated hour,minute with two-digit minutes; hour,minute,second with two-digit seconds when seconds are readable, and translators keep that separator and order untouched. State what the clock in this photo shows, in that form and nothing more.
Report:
4,24,04
